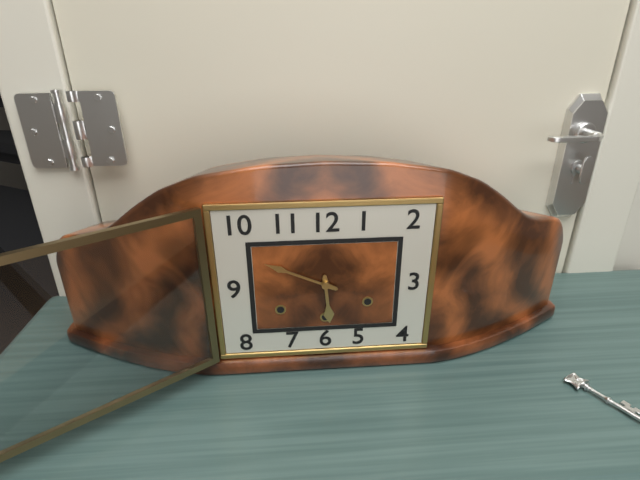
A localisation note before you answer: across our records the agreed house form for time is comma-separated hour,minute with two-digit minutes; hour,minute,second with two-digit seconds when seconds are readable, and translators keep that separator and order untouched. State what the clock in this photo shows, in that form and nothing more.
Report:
5,49
